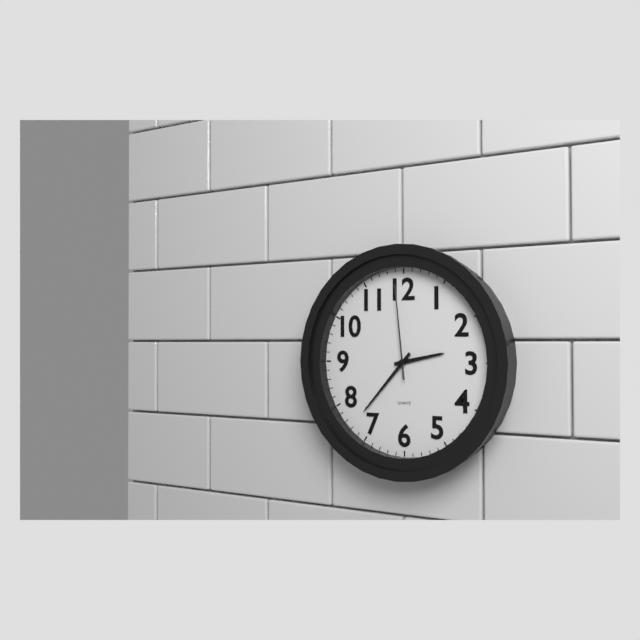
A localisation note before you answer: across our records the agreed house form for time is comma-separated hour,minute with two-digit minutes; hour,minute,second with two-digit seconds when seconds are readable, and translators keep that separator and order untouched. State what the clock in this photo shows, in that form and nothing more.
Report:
2,37,59
